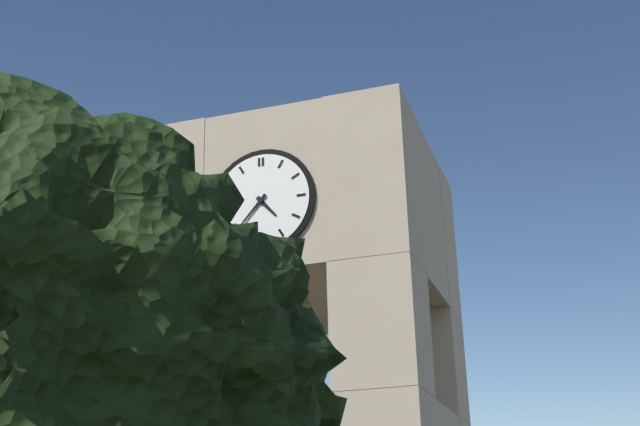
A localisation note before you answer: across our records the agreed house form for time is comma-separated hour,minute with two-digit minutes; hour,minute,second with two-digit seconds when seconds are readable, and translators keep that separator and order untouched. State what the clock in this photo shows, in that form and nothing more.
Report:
4,37
